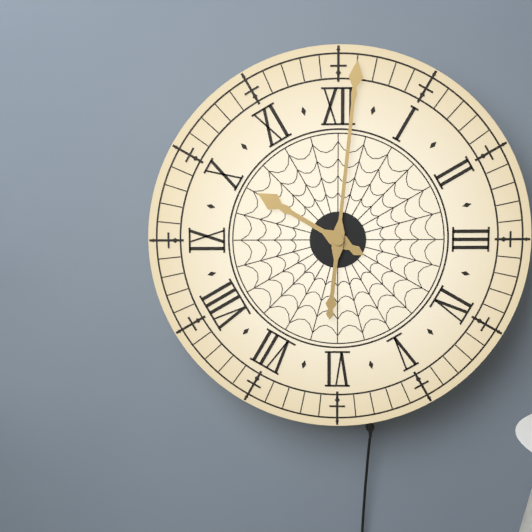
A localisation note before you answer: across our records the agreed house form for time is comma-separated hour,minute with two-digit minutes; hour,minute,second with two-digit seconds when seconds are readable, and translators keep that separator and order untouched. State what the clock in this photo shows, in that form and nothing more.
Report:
10,01
